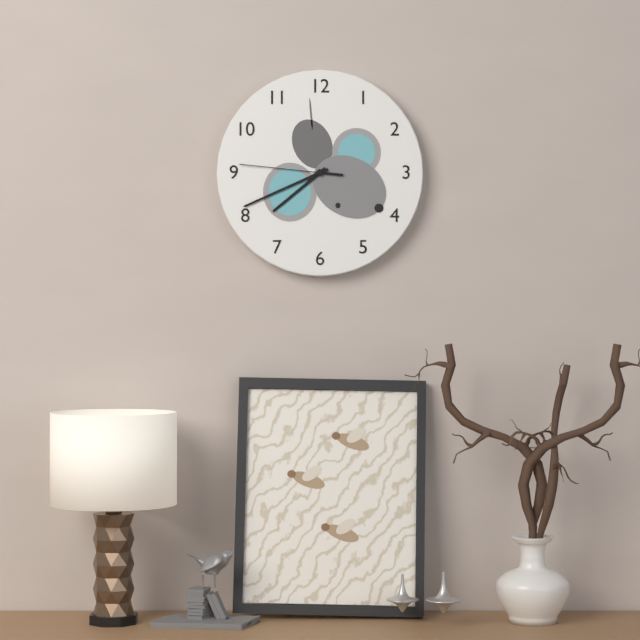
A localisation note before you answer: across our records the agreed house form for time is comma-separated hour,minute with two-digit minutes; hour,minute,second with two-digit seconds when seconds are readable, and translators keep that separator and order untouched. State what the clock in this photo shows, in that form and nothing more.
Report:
7,41,46
